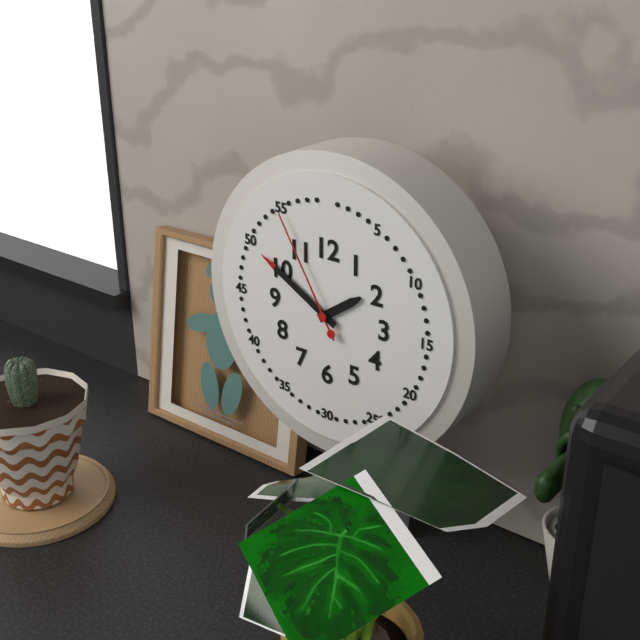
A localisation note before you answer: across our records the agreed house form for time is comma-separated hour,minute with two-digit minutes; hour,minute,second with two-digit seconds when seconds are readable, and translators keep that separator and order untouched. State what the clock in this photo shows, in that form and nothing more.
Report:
1,50,55
